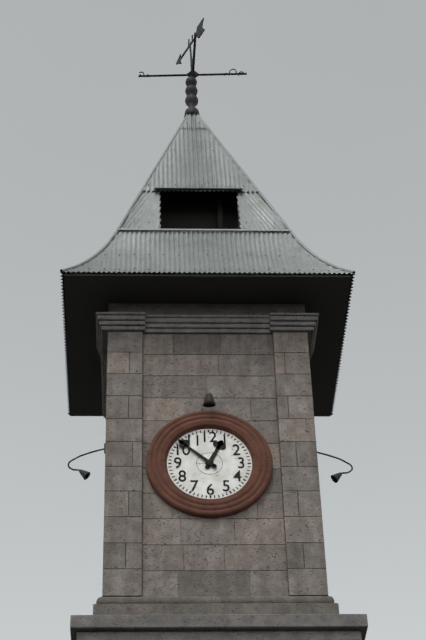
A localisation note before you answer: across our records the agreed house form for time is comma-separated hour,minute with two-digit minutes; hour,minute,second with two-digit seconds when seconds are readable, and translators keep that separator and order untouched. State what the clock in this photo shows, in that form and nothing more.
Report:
12,52
